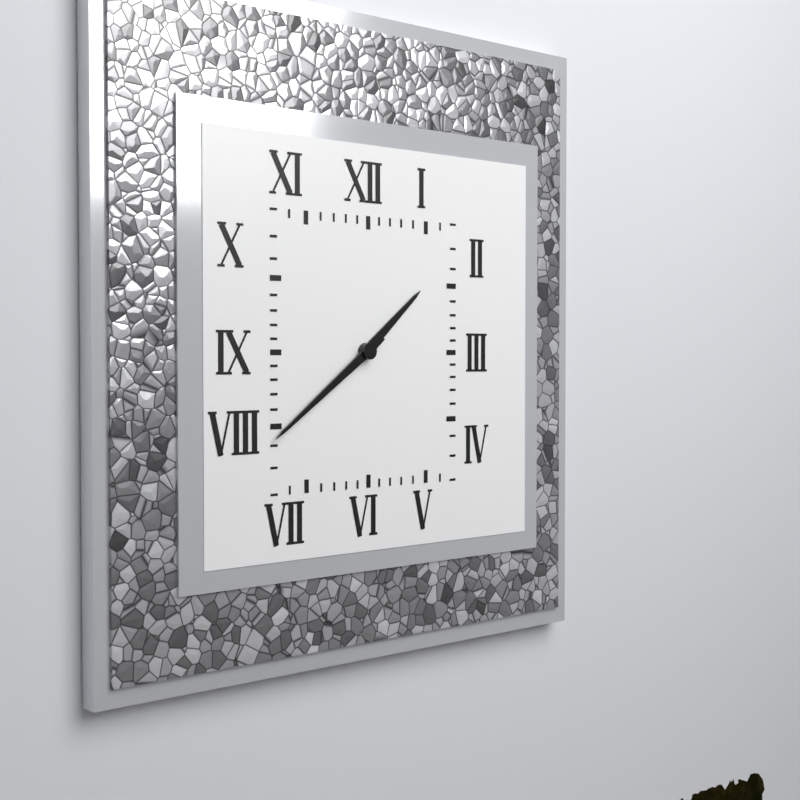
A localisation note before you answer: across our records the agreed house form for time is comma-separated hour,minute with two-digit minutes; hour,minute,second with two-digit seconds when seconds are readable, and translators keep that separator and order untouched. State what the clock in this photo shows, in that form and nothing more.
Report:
1,39
